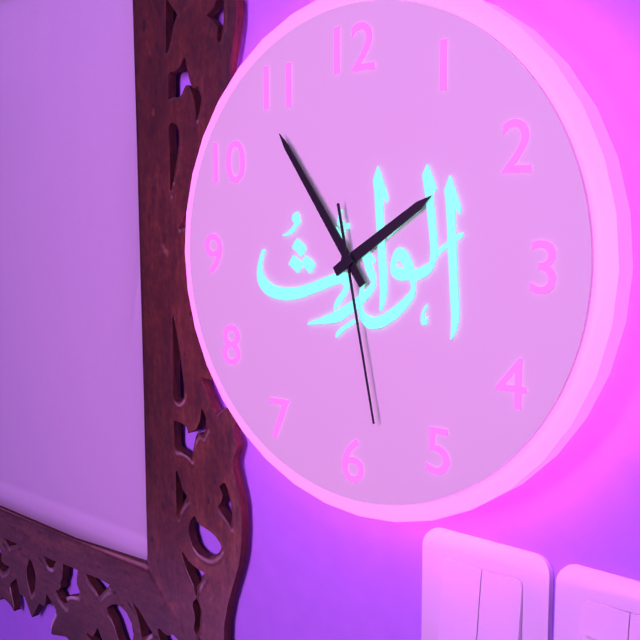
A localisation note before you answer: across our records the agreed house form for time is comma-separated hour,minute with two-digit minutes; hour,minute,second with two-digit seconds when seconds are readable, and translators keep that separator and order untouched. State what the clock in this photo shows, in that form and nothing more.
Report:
1,54,28
